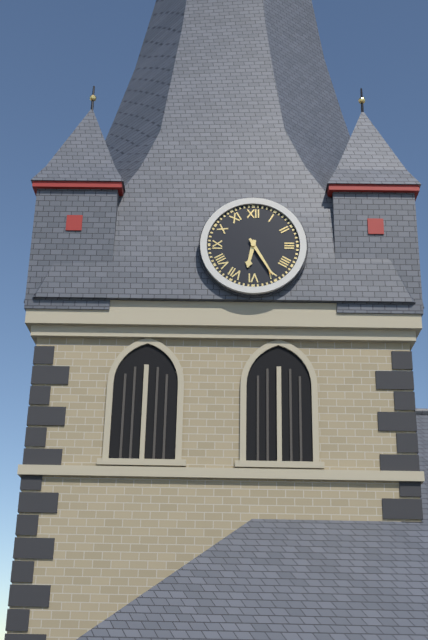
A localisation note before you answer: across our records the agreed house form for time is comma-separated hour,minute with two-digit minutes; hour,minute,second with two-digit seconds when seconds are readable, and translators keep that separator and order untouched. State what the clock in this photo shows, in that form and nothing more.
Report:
6,25
